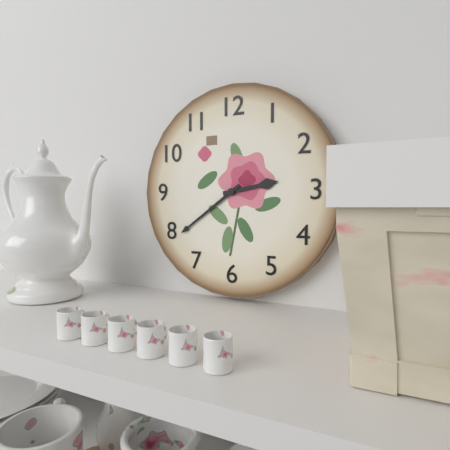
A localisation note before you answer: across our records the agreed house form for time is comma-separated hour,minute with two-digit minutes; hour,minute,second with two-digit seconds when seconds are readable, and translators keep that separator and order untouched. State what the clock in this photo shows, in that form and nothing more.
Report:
2,39
